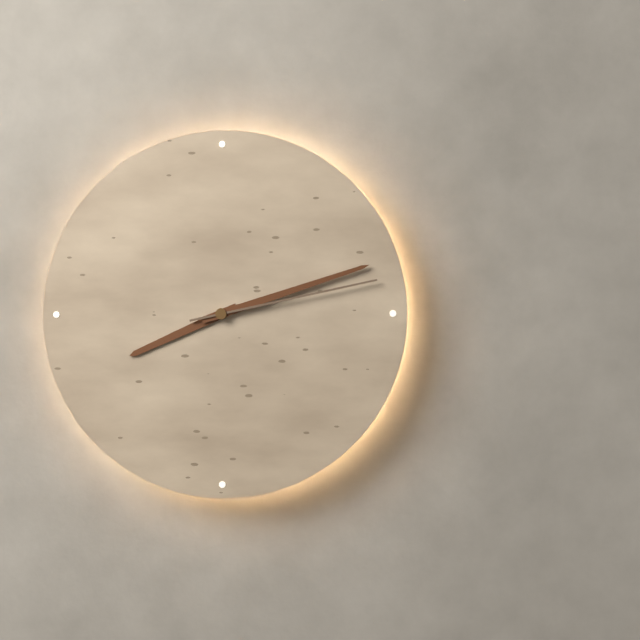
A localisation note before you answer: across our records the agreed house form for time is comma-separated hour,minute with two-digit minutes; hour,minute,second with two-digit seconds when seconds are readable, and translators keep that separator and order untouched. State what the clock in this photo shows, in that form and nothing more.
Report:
8,12,13
